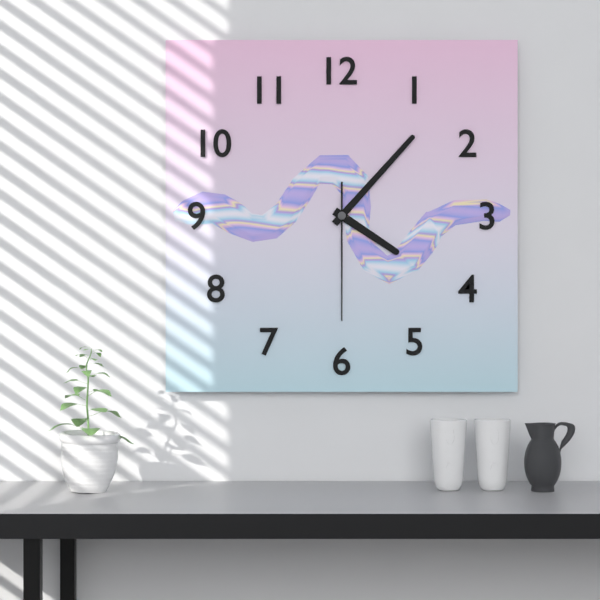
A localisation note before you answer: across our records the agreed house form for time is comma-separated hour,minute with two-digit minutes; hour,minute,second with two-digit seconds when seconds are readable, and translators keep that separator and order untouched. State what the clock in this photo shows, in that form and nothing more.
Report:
4,07,30
